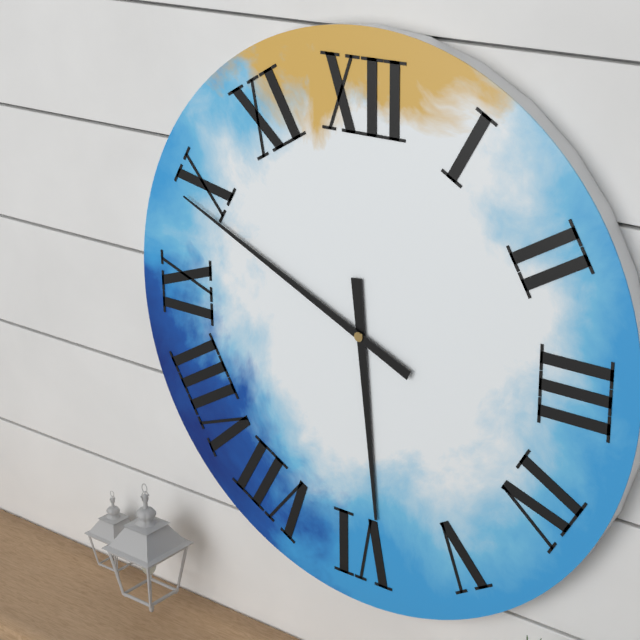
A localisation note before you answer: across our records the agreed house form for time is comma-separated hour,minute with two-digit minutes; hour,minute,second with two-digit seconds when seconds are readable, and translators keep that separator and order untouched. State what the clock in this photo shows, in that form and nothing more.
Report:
5,49
